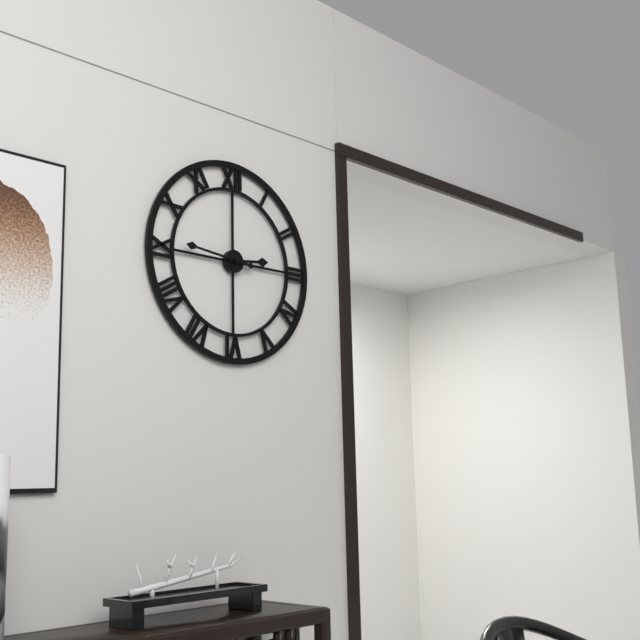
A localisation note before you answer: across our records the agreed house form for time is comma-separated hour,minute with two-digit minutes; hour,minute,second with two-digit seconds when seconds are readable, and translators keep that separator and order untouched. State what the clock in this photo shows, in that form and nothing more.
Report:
2,46
